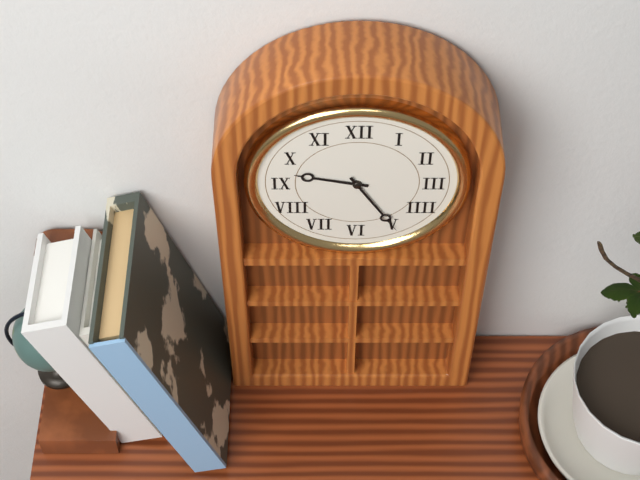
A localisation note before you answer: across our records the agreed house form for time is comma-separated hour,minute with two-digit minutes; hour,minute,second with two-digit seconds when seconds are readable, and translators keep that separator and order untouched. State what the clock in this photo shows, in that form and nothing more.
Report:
9,25
